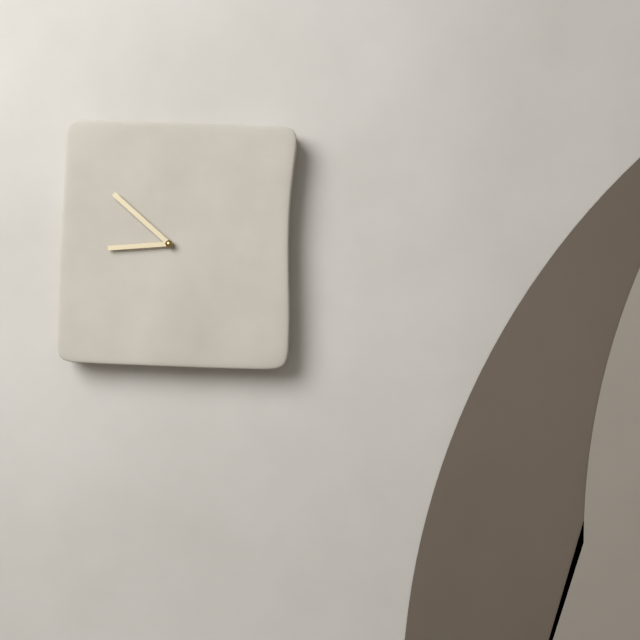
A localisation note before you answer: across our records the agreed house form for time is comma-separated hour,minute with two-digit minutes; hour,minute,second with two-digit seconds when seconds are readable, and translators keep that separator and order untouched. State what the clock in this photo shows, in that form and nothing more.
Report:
8,52
